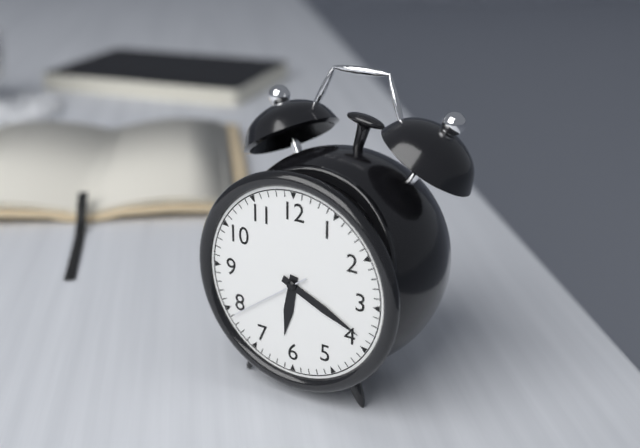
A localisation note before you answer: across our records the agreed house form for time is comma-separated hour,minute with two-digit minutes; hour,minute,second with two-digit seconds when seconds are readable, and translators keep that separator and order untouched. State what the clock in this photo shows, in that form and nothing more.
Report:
6,19,39
